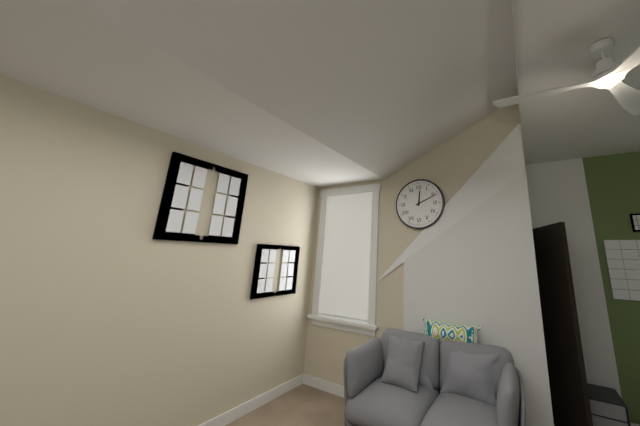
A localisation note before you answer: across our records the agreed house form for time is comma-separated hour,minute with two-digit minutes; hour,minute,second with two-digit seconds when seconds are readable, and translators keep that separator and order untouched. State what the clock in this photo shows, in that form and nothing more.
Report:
12,11
